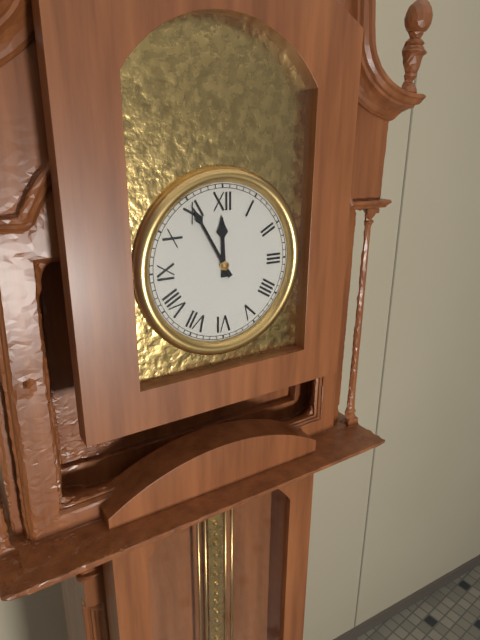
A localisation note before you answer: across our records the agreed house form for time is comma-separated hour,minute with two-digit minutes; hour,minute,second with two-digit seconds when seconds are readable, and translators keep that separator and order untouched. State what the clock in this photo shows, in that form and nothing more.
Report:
11,55
